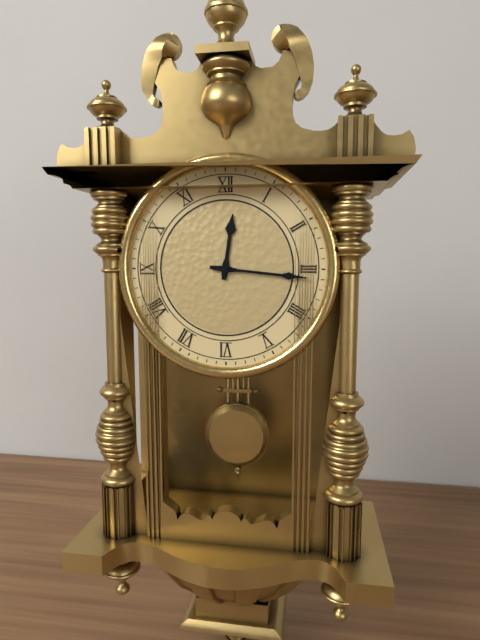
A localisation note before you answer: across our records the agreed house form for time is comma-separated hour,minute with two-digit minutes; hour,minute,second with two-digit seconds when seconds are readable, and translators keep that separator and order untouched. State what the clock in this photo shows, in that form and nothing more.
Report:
12,16
